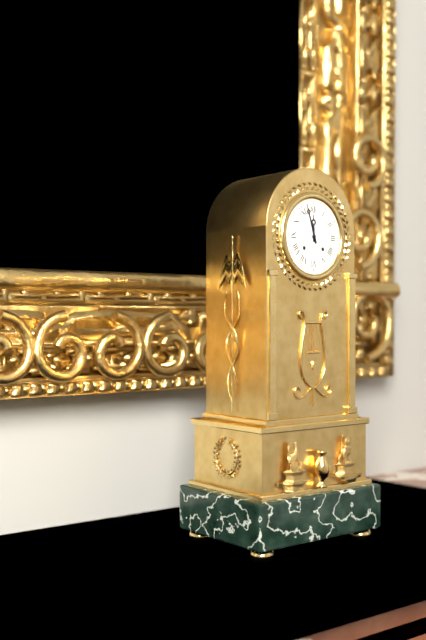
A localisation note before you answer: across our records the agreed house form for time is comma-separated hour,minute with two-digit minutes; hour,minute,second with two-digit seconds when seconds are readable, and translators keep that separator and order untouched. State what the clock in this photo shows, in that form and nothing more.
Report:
11,57
